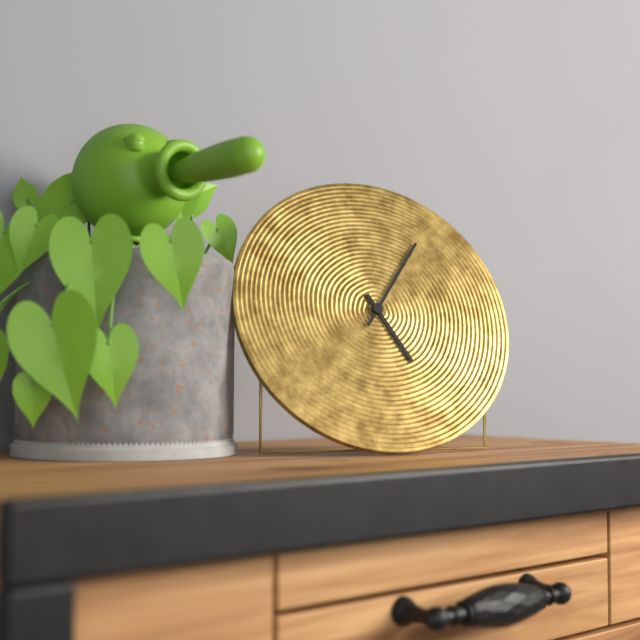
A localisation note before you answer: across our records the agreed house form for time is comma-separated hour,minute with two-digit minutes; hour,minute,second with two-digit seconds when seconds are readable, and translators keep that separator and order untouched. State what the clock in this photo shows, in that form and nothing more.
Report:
5,06
